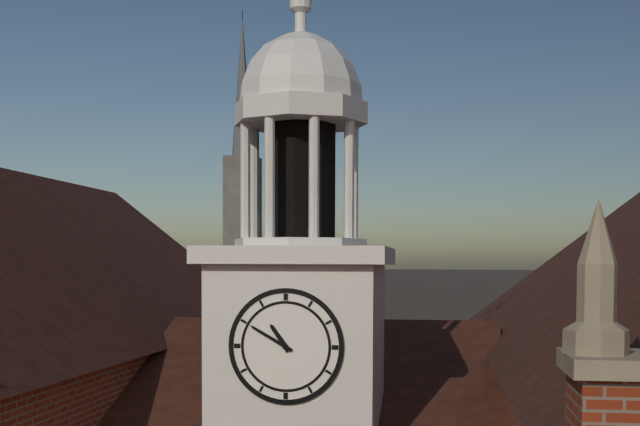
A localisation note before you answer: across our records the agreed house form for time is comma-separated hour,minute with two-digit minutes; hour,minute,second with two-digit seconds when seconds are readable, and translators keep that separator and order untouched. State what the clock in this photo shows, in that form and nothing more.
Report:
10,50
